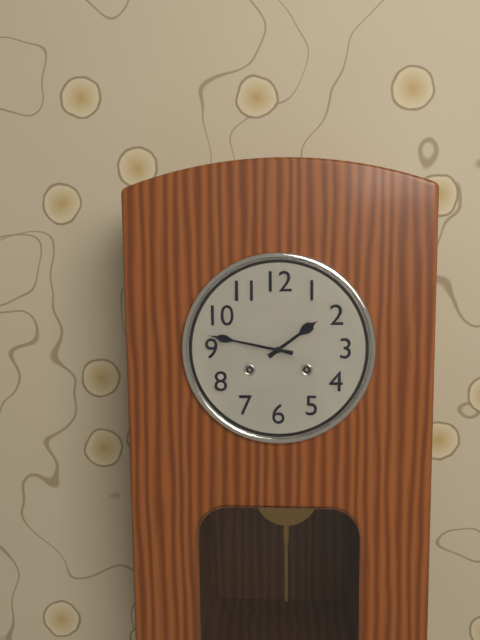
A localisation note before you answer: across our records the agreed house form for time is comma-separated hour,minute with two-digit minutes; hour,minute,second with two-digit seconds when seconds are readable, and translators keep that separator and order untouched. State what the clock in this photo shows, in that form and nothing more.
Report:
1,47
